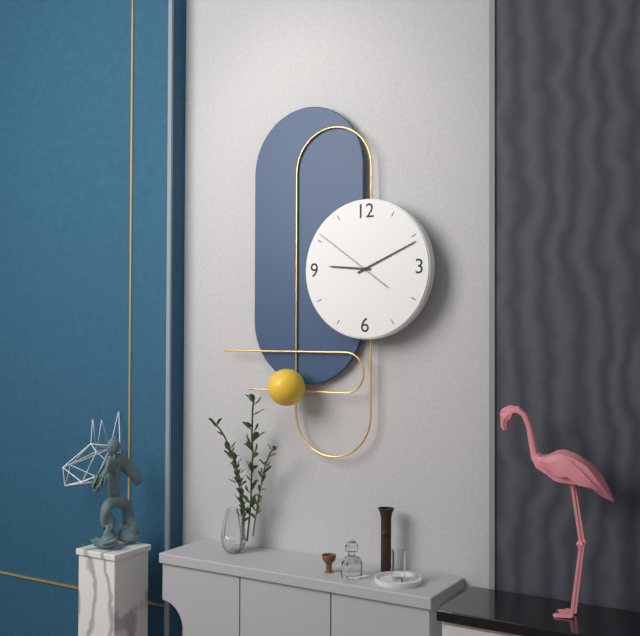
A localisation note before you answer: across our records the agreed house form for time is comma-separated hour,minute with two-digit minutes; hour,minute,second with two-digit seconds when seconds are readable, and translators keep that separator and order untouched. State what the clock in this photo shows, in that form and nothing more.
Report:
9,11,51
